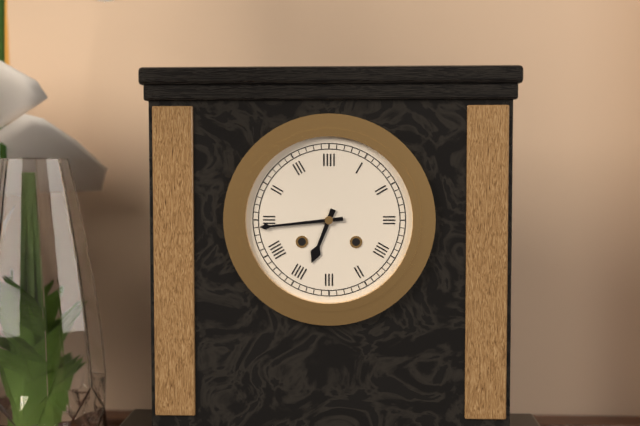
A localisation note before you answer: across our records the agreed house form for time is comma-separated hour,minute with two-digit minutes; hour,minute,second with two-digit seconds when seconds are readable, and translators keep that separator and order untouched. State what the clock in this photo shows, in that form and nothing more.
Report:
6,44
